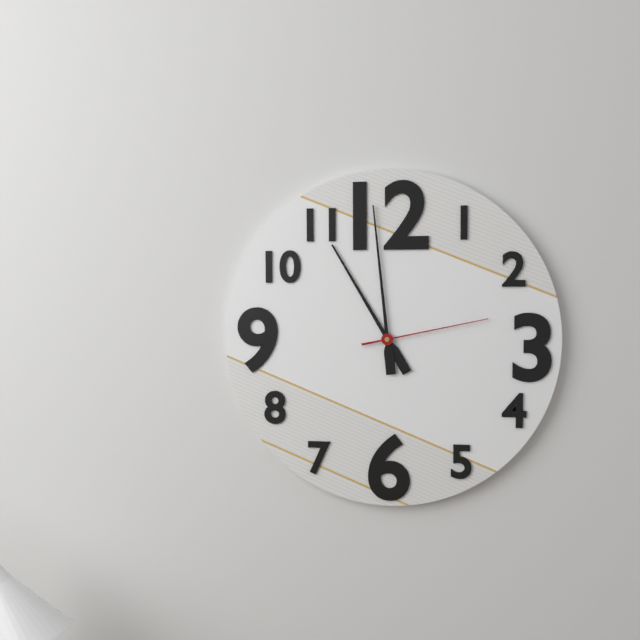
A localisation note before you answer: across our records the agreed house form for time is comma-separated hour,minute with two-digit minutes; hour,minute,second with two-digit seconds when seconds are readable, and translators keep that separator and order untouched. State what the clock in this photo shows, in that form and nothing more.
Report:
10,59,13
